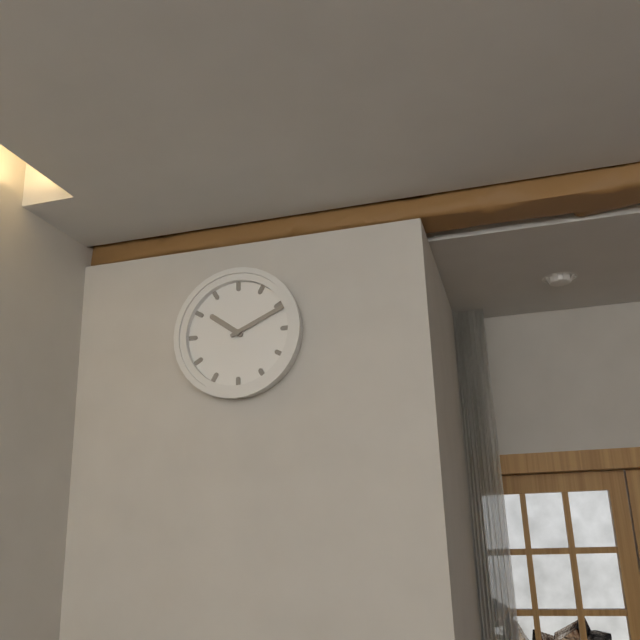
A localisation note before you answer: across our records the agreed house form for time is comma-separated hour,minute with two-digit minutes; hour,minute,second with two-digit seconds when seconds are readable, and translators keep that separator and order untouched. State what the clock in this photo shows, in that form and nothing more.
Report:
10,11
